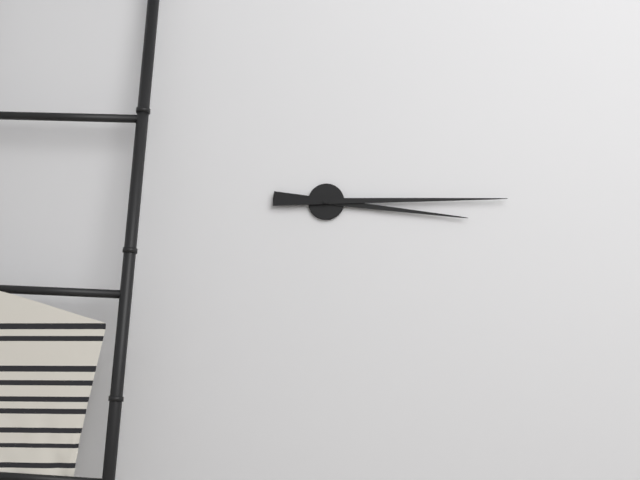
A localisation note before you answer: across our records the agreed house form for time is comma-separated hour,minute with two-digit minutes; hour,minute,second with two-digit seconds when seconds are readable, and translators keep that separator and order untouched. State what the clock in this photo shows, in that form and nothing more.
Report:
3,15
